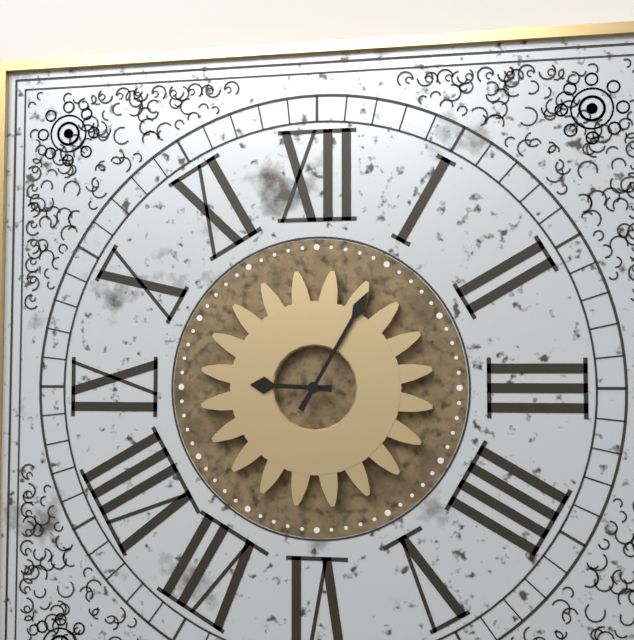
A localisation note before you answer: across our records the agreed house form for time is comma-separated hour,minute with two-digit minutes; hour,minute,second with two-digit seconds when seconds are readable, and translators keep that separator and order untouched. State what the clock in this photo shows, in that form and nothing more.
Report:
9,05
